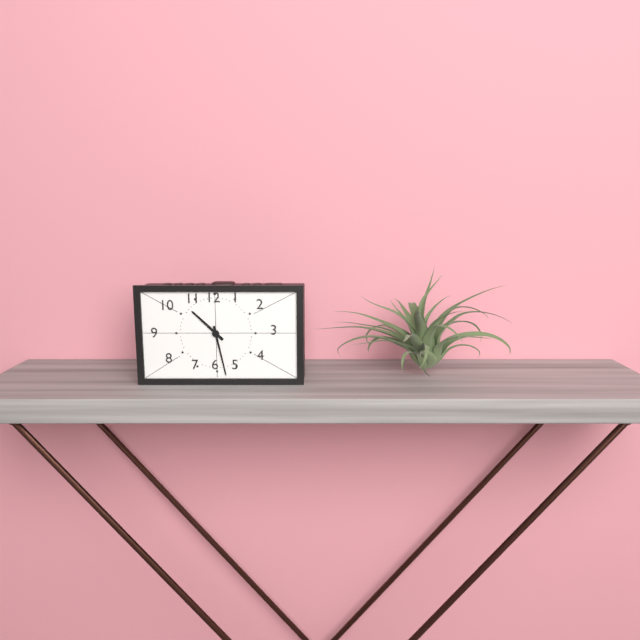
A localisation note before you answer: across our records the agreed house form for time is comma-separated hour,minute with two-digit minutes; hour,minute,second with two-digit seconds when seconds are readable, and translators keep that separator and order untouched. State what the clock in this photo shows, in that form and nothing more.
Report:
10,28
